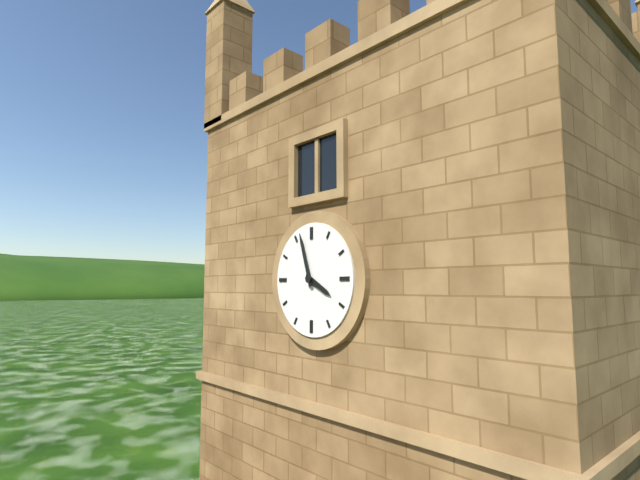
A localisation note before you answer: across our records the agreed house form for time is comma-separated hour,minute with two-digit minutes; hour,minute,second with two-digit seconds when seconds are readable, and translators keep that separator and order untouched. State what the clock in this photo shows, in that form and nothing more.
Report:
3,57
